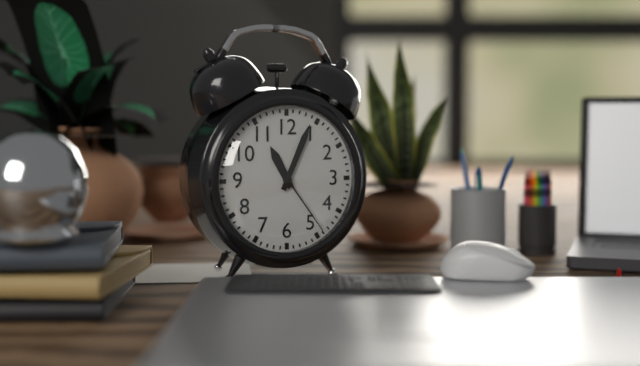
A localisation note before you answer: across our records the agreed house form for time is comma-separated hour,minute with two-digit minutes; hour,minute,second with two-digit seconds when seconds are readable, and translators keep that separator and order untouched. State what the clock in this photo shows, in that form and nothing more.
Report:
11,04,24
